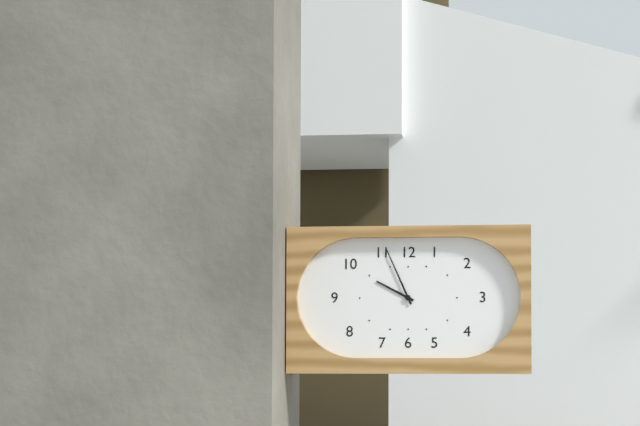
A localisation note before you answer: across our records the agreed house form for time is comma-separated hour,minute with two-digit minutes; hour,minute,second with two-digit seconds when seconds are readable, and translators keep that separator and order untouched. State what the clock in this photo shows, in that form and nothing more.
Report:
9,56
